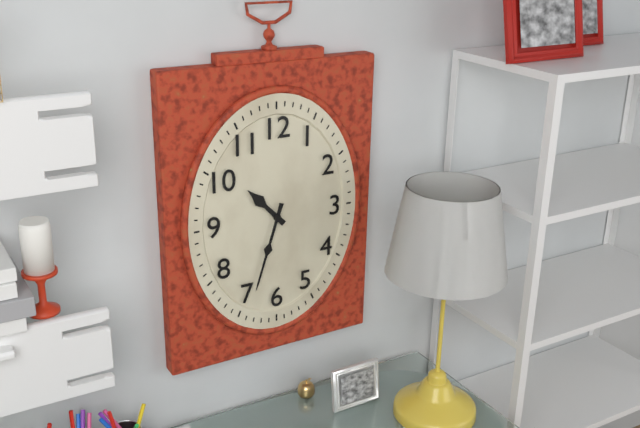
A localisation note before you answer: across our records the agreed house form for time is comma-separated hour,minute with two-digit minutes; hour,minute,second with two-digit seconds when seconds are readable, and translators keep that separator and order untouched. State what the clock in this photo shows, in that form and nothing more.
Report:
10,33
